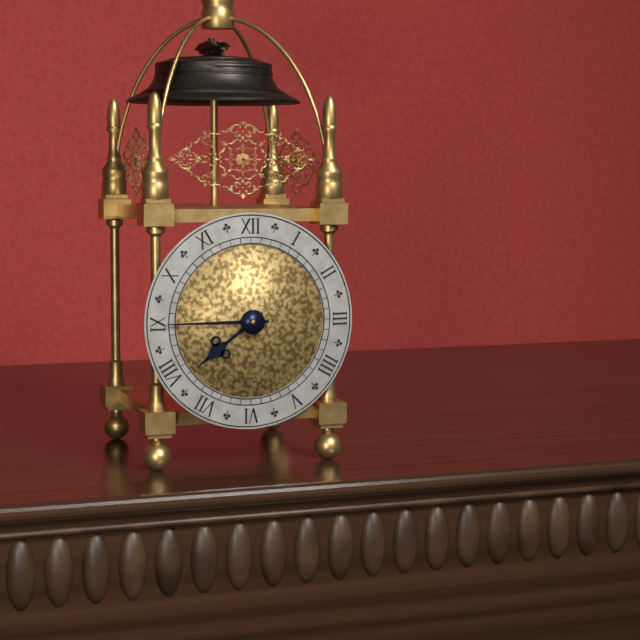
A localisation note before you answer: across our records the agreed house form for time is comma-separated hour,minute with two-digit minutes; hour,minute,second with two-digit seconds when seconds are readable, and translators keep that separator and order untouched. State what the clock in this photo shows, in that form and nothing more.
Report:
7,45
